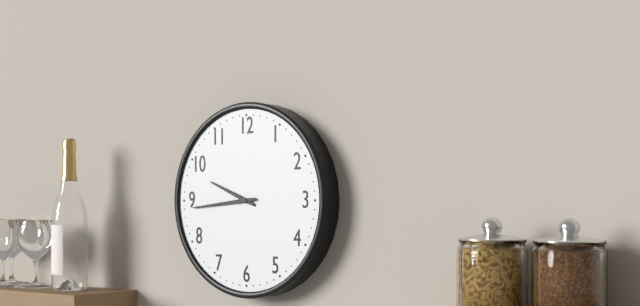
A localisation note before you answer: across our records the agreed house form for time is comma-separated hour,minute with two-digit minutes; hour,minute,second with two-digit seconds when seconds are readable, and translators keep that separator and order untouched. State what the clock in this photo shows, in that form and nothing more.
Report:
9,44
